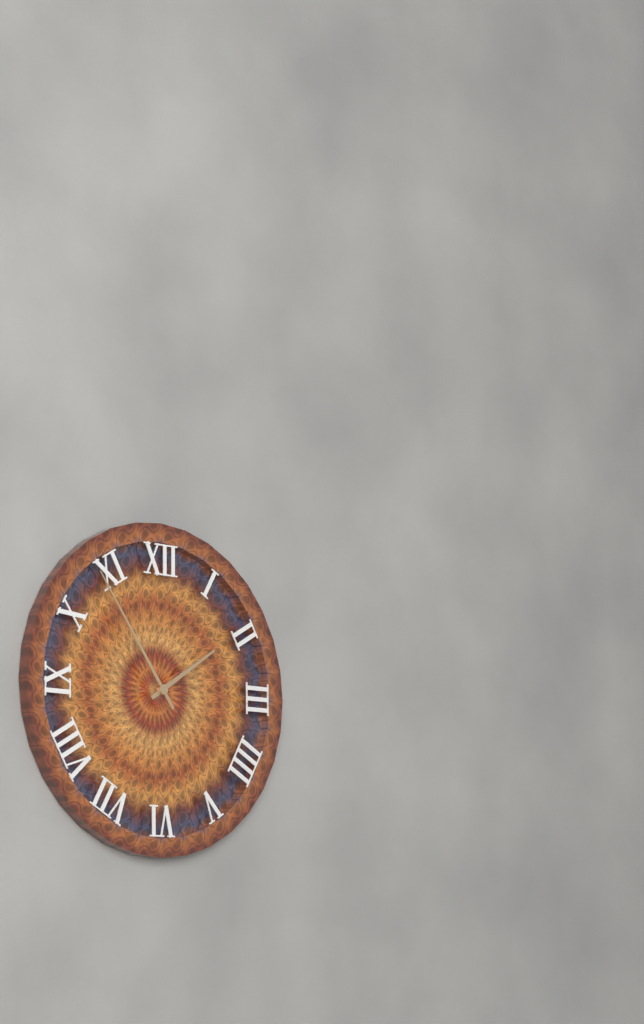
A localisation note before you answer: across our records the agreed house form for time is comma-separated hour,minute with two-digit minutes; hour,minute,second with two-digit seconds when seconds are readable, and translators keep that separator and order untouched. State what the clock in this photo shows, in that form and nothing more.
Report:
1,54
